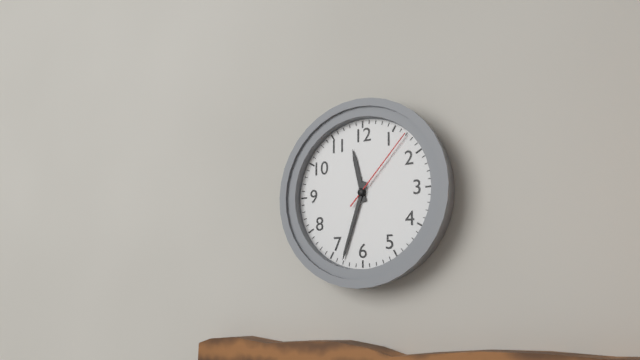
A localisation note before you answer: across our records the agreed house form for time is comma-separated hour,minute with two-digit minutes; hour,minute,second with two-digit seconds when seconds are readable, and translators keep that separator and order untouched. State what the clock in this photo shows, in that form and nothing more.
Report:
11,33,07
